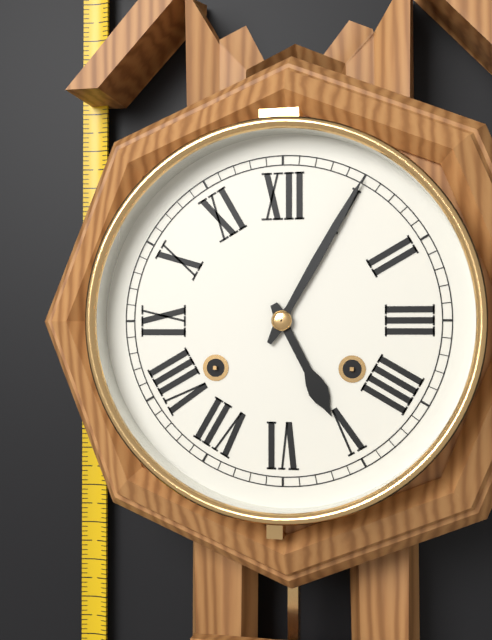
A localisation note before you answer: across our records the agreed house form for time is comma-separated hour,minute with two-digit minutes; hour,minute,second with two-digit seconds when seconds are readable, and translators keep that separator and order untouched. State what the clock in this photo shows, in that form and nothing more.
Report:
5,05
